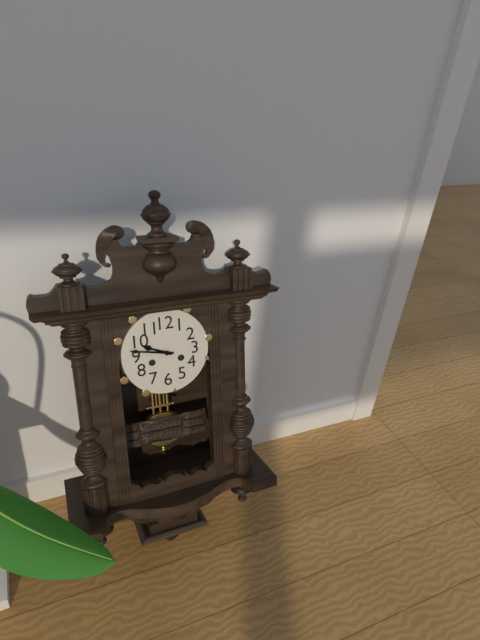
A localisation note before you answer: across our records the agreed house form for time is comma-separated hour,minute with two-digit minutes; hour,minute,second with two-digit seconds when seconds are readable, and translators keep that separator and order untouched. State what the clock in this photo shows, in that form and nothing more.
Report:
9,47
